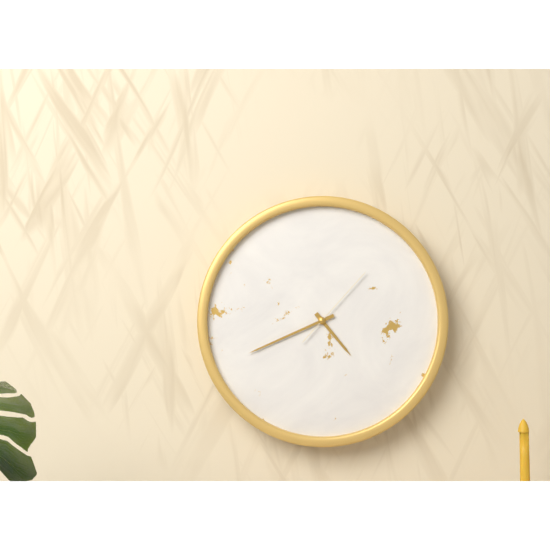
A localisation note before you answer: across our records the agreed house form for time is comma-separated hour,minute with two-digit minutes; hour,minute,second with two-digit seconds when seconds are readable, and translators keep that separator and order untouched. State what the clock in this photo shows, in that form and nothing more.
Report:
4,41,07
